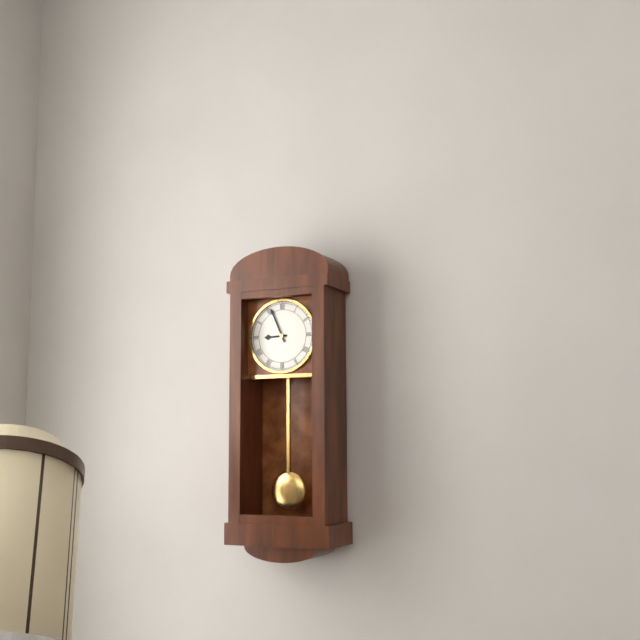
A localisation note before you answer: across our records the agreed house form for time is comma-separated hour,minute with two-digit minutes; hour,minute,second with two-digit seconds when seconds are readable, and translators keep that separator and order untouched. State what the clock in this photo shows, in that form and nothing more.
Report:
8,56
